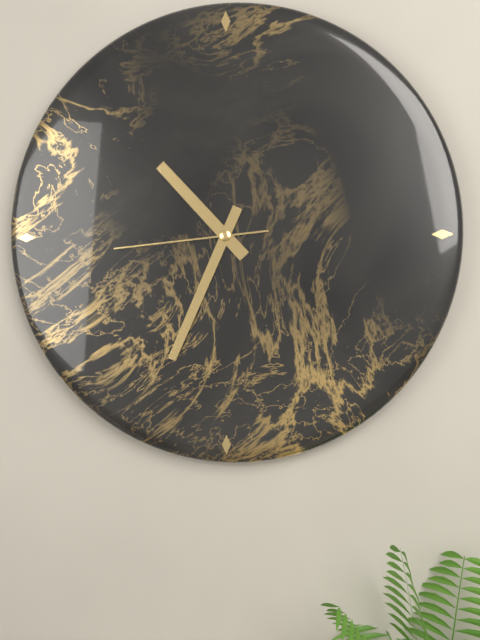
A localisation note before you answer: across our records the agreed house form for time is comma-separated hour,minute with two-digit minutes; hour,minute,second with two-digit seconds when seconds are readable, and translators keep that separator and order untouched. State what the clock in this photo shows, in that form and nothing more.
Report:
10,34,44
